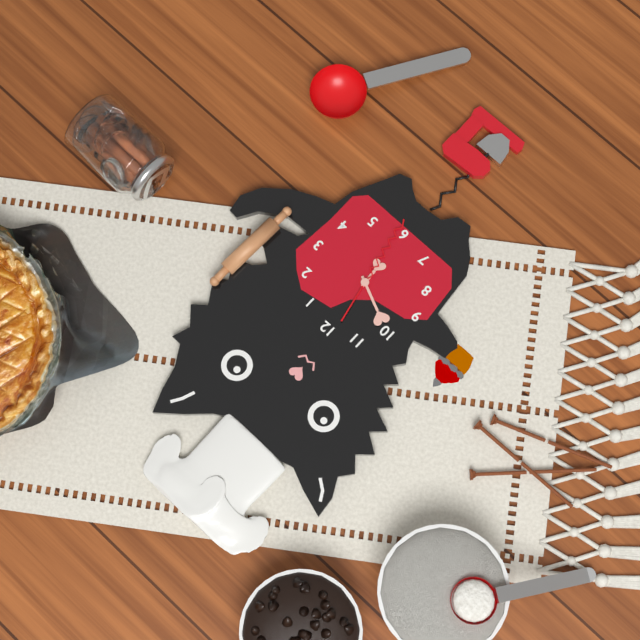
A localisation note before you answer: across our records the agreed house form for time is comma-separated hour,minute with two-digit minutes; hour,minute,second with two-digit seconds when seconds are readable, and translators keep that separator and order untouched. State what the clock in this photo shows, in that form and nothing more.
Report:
5,49,28
